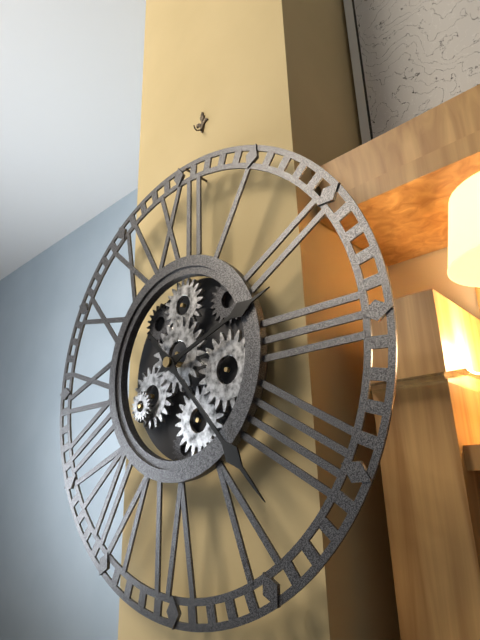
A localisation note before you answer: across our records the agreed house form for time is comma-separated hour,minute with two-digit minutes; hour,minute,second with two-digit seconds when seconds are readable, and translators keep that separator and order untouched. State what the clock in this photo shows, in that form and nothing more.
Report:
2,23
